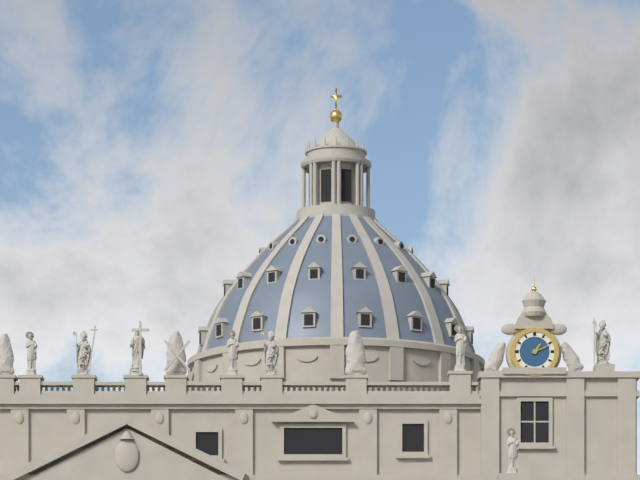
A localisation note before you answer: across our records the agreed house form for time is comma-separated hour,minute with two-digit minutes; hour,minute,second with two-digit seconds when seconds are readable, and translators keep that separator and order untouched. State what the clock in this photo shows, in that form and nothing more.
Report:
1,11
